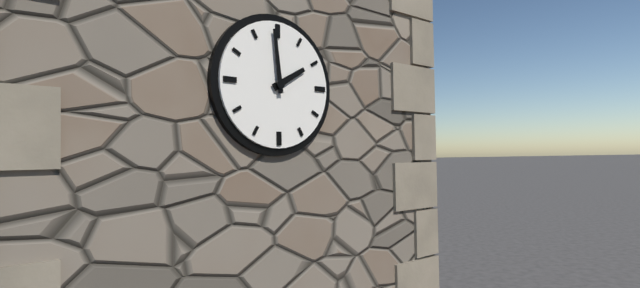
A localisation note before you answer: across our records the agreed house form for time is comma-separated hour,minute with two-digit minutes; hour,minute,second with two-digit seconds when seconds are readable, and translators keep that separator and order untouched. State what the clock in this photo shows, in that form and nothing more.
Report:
1,59
